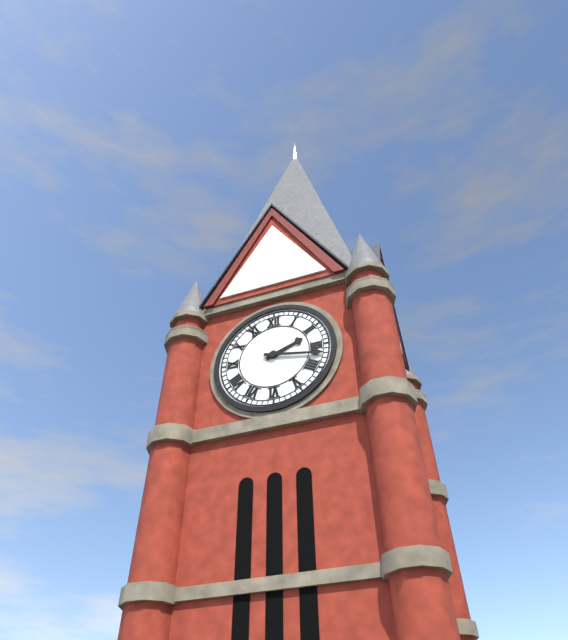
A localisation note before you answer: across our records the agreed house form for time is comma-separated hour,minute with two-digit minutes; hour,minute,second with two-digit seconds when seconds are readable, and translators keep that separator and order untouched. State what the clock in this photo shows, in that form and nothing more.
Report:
2,17
